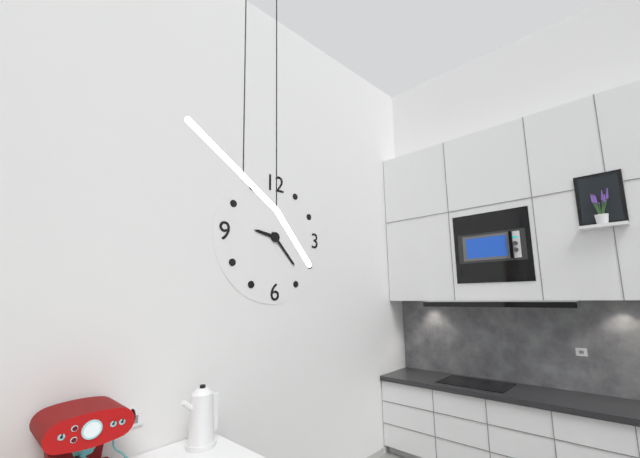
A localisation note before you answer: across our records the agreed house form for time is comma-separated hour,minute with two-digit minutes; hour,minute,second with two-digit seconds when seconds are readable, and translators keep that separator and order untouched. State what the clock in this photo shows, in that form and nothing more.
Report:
9,23
